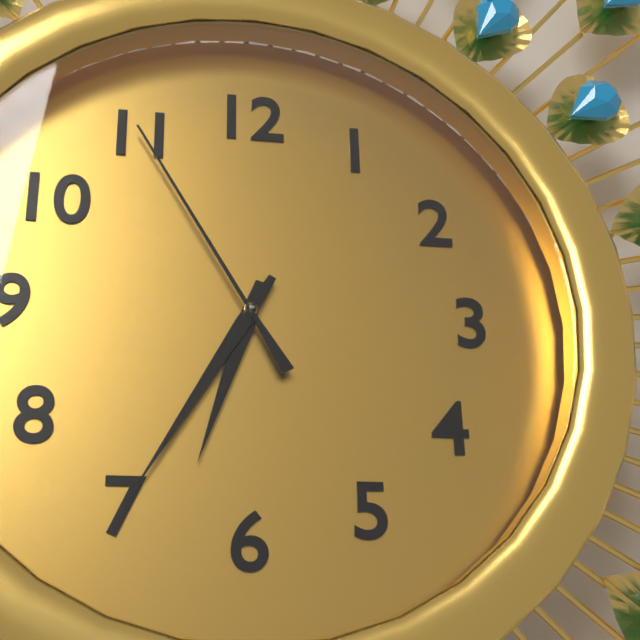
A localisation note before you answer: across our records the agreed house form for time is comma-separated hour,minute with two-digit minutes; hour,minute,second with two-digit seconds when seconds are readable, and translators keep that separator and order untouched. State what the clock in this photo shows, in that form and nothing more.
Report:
6,35,55
